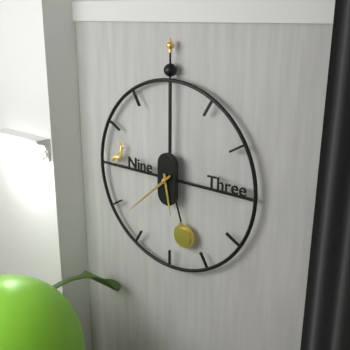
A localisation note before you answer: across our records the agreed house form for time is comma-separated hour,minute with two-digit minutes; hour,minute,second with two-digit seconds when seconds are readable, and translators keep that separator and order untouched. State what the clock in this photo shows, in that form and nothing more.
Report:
5,38
